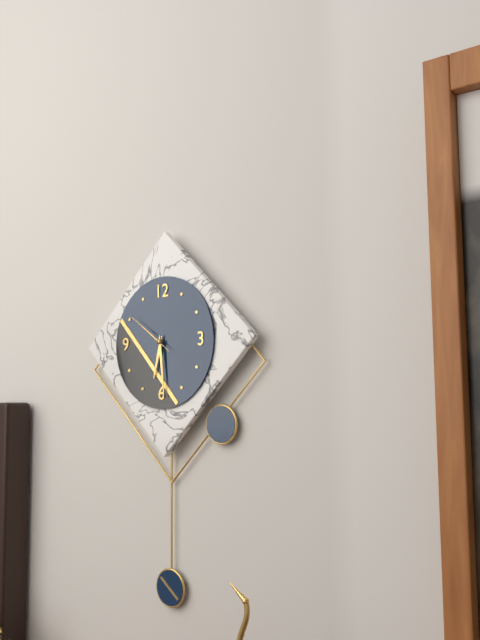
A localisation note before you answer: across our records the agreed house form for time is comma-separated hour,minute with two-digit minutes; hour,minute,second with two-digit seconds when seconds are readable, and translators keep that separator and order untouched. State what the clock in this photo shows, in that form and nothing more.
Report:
6,29
